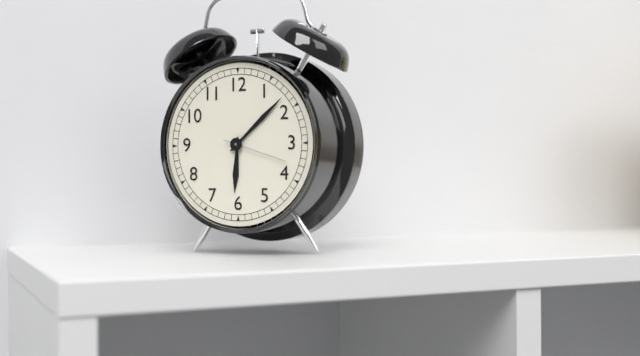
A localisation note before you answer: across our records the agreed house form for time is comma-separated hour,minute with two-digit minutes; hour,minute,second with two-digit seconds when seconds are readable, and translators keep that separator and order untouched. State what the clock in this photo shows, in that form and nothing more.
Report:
6,08,18
